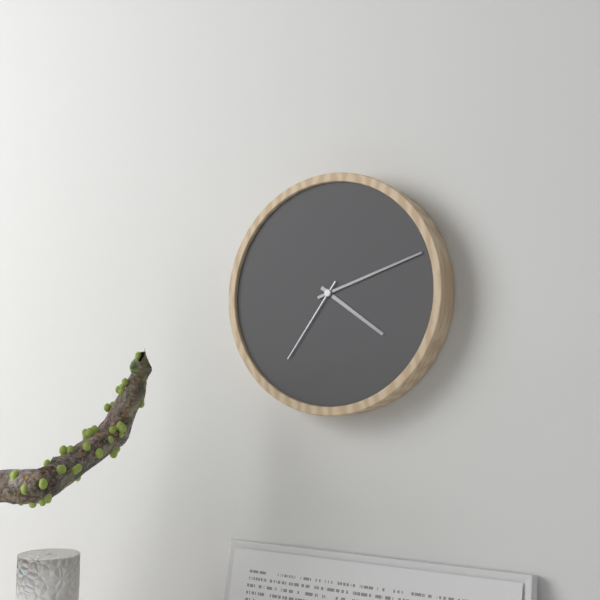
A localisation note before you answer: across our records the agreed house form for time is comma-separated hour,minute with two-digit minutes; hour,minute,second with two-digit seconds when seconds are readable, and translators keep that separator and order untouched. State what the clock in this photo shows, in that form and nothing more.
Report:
4,12,36
